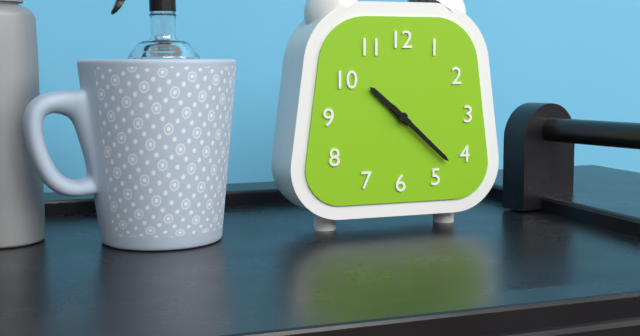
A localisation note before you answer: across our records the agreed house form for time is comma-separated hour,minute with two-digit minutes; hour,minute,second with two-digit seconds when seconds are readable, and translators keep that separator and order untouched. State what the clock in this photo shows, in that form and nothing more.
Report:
10,22
